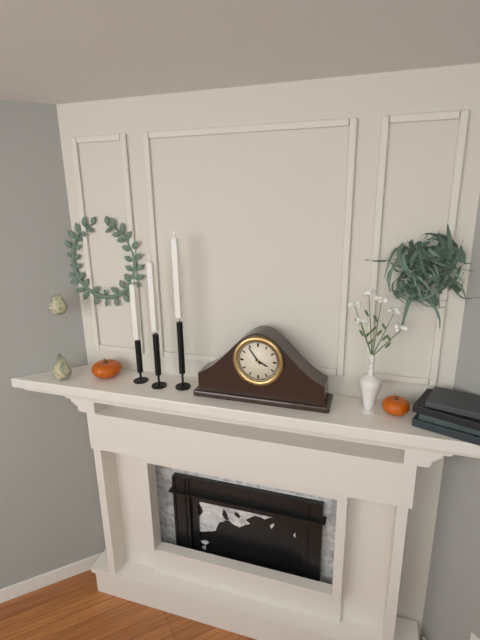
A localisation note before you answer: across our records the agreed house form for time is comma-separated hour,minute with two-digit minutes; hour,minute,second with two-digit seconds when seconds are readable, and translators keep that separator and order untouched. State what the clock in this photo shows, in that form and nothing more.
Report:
3,54
